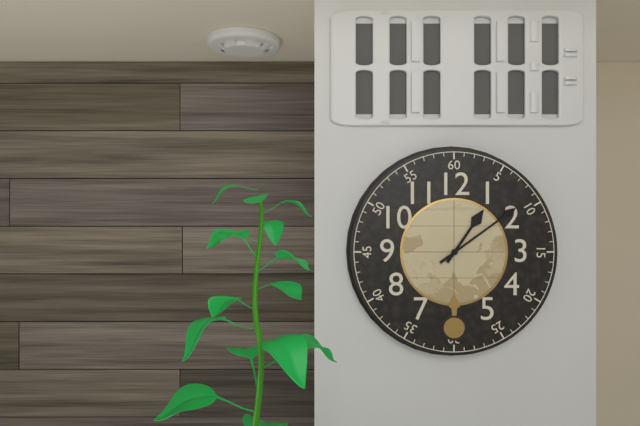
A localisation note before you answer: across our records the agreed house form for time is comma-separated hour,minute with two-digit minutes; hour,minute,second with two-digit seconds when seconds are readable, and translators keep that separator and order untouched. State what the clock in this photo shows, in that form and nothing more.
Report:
1,09
